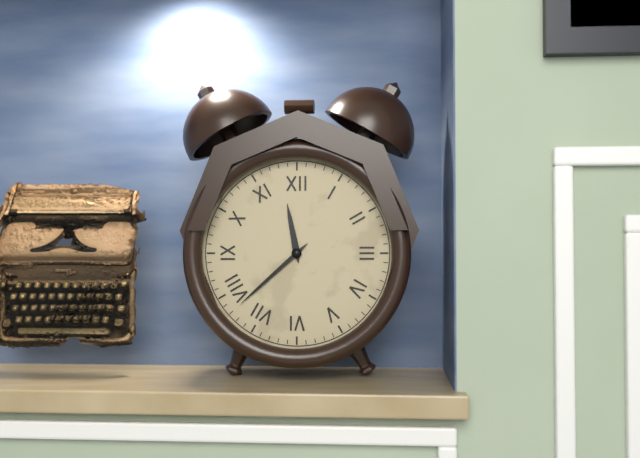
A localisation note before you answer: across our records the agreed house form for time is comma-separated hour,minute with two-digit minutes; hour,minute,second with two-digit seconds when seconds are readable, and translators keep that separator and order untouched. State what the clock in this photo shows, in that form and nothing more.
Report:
11,38
